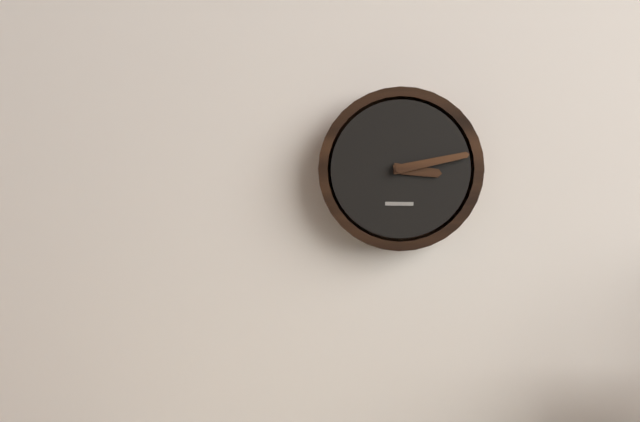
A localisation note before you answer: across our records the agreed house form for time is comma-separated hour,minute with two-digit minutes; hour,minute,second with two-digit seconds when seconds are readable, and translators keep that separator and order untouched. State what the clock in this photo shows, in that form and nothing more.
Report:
3,13
